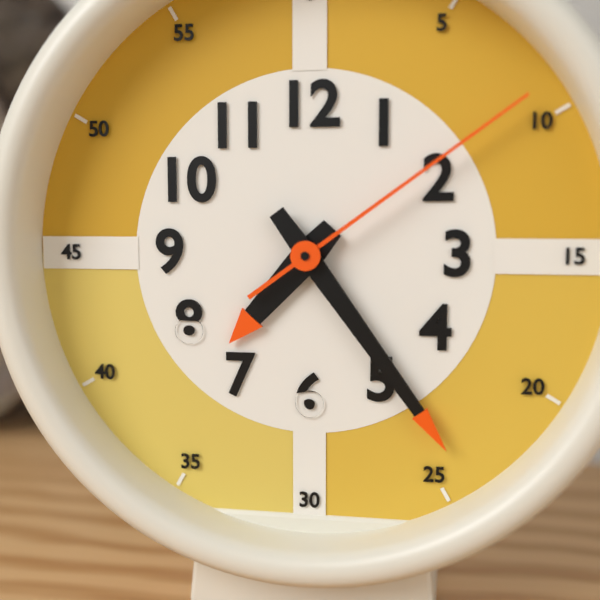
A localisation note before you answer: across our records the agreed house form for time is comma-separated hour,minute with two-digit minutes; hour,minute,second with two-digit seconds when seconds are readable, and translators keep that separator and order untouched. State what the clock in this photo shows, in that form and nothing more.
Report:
7,24,09
